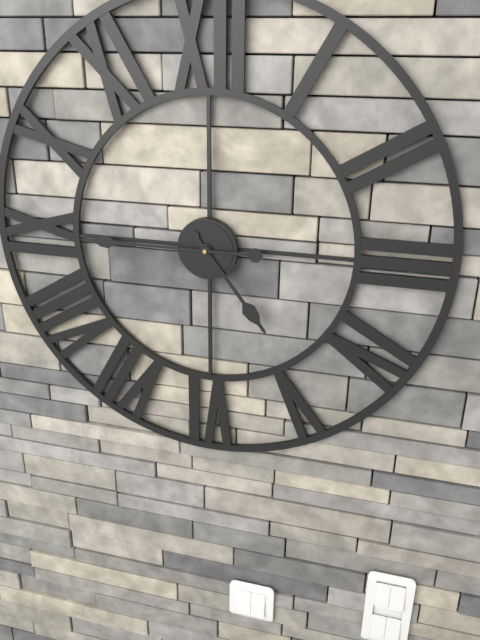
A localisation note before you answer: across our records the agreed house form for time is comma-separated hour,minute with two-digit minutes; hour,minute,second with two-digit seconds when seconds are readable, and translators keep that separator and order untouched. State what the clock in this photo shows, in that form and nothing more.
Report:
4,45
